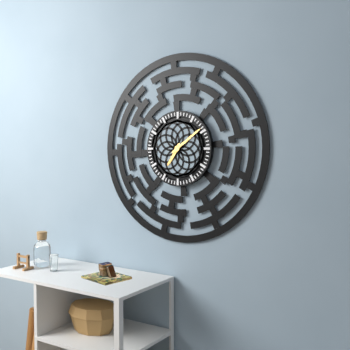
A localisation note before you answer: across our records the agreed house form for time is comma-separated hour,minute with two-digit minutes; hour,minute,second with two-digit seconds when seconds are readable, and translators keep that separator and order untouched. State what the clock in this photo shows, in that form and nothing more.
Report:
7,09
